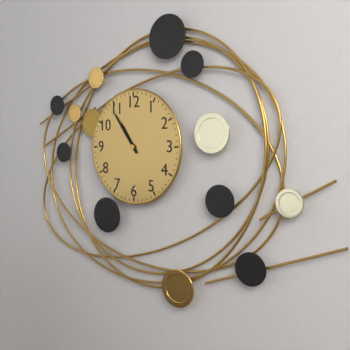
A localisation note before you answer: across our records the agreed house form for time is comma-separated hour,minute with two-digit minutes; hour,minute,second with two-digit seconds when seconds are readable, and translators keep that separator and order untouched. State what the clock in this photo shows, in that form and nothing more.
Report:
10,54
